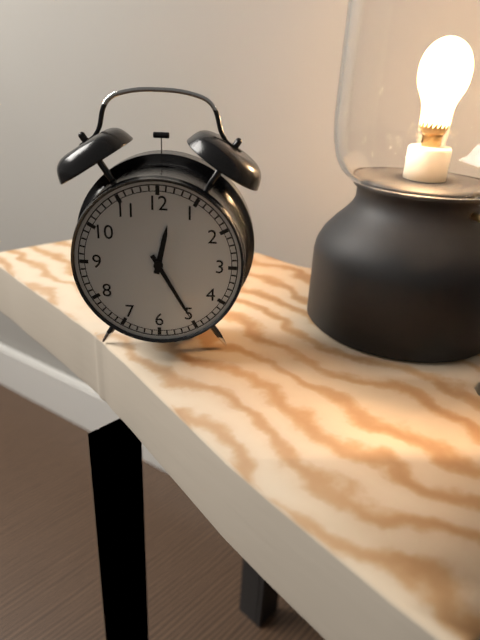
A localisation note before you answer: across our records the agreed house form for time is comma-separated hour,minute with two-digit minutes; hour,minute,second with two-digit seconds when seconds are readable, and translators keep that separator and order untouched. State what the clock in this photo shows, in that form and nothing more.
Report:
12,25
